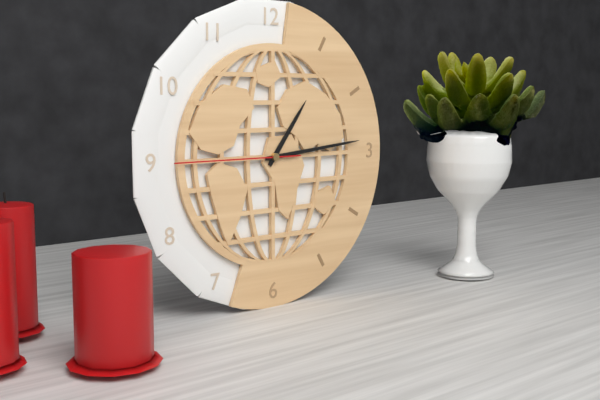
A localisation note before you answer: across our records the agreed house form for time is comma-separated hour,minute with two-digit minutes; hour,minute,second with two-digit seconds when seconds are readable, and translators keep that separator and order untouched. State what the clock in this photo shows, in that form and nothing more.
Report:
1,14,45
